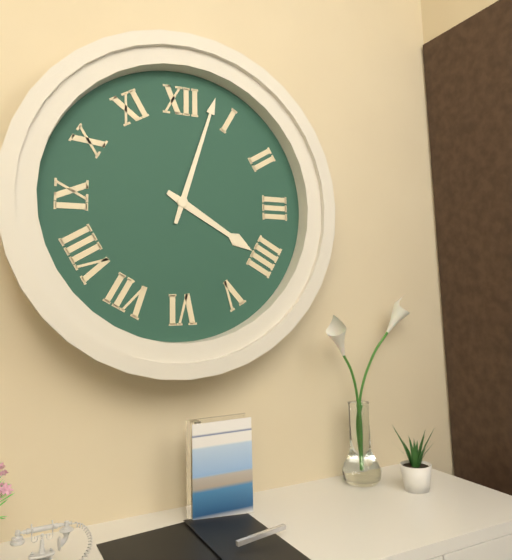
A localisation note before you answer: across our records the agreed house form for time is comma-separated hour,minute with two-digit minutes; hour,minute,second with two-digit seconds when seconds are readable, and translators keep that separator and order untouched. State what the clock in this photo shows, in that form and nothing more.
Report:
4,03
